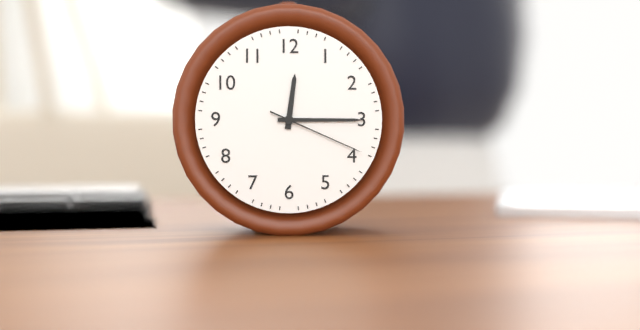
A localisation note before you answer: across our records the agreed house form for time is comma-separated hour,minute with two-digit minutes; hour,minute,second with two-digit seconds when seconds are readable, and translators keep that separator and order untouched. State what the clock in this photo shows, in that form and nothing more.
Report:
12,15,19
